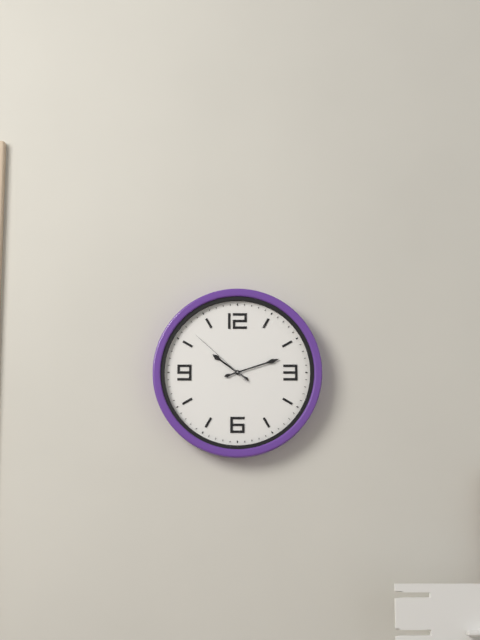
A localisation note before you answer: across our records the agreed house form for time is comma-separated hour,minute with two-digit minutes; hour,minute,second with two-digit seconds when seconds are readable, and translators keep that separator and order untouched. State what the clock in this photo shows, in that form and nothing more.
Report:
10,12,52
